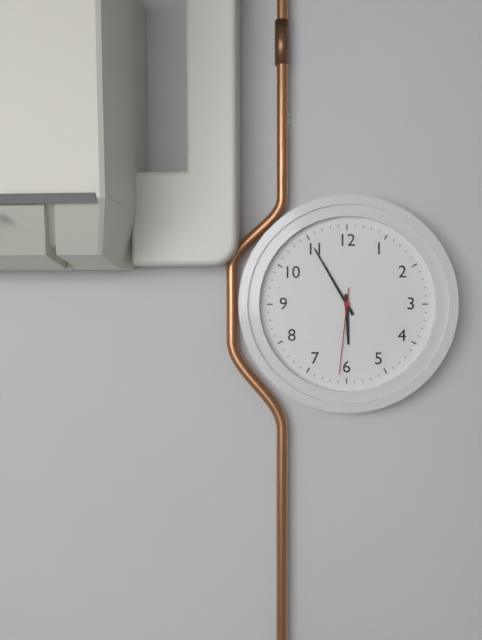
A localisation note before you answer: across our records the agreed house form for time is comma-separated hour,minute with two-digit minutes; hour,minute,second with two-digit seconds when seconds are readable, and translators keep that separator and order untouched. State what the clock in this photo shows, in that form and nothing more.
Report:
5,55,31
